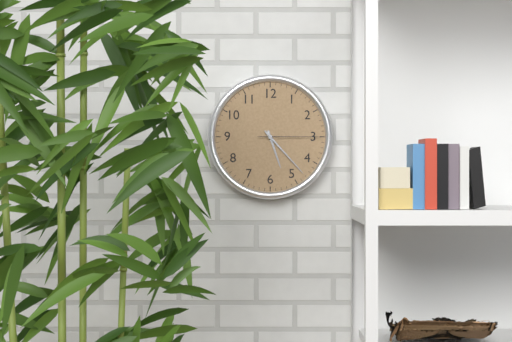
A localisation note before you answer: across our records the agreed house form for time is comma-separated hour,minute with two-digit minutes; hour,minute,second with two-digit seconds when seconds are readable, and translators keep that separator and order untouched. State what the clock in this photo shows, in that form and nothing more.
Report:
5,23,15
